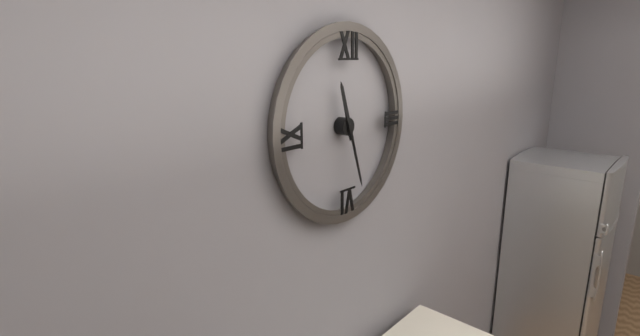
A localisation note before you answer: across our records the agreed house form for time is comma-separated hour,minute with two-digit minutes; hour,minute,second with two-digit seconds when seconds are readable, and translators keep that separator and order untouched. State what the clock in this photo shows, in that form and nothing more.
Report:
11,27
